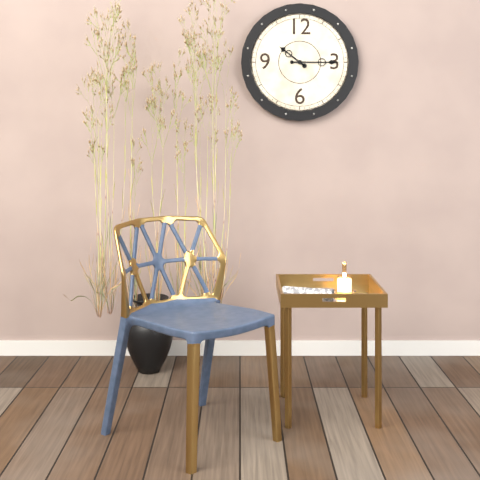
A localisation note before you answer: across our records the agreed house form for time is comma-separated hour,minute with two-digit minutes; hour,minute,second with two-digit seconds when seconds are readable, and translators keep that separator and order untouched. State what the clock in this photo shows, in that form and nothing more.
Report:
10,15
